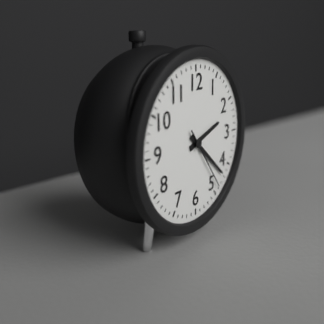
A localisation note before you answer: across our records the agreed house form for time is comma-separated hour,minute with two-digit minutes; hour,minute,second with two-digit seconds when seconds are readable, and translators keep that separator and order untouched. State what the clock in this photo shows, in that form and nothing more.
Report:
2,22,24
